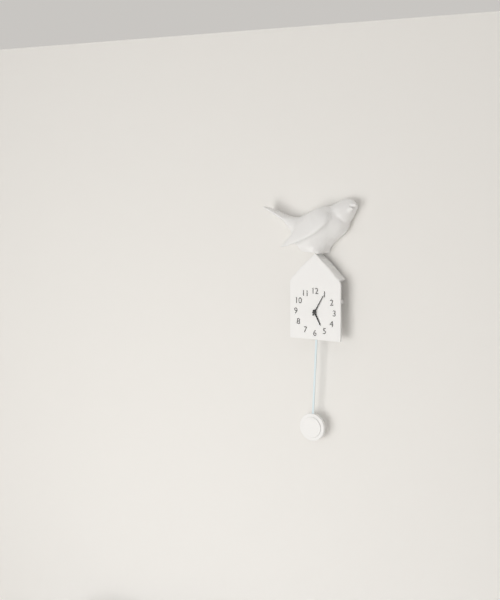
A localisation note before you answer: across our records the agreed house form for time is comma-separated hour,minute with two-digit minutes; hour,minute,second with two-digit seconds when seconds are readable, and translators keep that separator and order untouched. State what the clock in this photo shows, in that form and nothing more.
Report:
5,05
